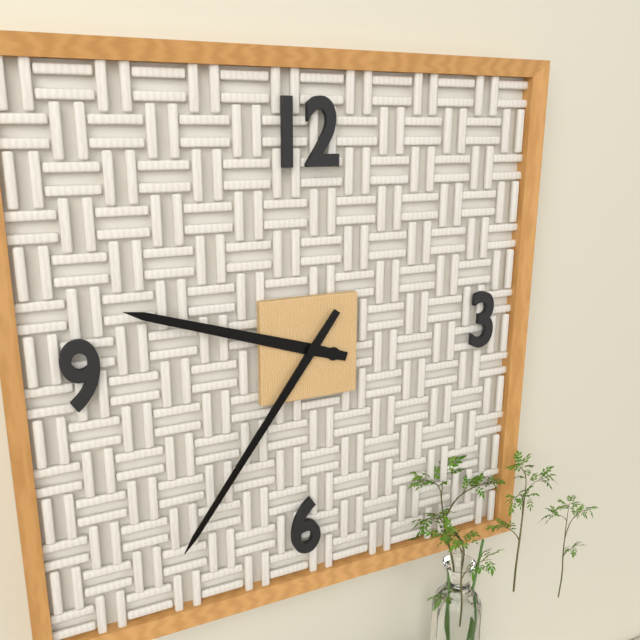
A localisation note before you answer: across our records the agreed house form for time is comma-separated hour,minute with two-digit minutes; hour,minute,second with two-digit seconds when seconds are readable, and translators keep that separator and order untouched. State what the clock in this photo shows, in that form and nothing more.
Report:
9,36
